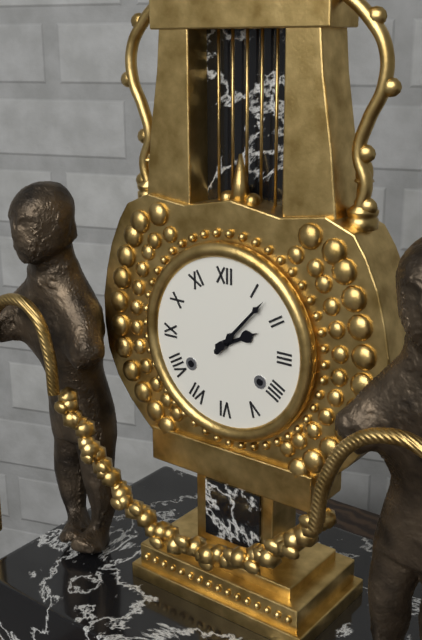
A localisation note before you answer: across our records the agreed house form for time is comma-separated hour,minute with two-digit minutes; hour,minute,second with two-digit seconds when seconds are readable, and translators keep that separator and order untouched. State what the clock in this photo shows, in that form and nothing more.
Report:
2,07
